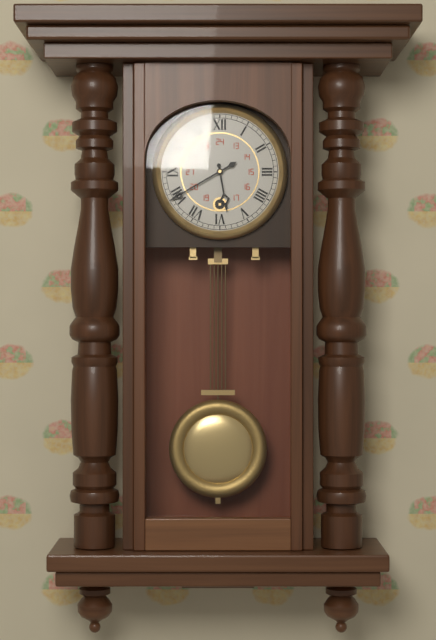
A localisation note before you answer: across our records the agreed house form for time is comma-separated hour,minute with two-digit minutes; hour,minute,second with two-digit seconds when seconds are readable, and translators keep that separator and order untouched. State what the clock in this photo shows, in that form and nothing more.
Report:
5,40
